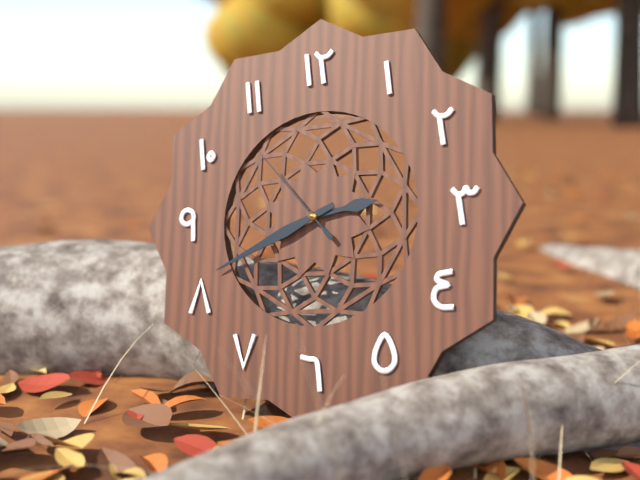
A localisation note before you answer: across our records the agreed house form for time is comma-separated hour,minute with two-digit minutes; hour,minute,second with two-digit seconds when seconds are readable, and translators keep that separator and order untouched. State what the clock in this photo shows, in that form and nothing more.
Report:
2,41,53
